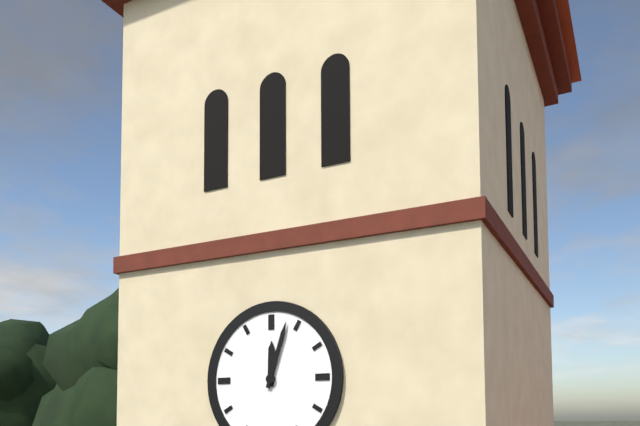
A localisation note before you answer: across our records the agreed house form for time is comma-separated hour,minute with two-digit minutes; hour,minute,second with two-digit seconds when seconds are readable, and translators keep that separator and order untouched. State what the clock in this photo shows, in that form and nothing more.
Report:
12,03
